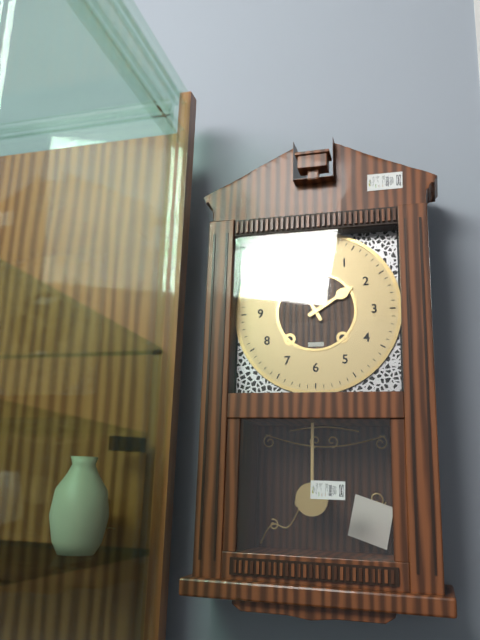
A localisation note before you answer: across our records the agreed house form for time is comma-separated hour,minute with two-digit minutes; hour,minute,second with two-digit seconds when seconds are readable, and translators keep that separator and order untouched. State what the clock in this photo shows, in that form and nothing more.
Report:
1,55
